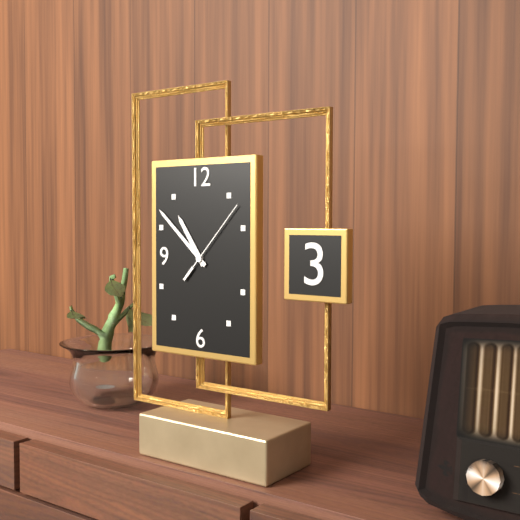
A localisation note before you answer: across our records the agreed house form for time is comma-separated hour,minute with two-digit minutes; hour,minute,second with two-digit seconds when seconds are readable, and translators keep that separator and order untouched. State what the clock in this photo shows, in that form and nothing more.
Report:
10,52,07
